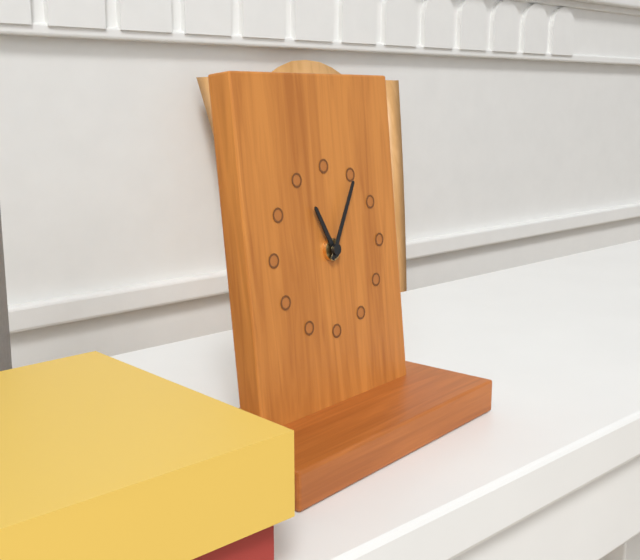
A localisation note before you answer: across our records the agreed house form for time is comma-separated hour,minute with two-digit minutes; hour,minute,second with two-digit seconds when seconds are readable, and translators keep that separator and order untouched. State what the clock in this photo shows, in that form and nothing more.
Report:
11,05
